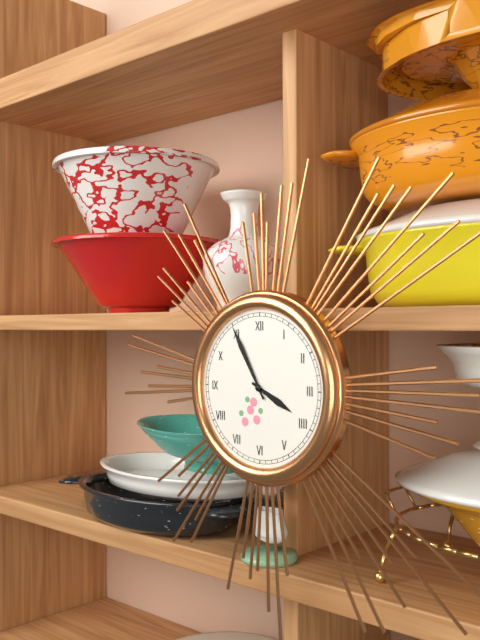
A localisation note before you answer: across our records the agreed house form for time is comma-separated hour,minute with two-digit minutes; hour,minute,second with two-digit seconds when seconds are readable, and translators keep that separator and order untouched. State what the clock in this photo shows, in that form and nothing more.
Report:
3,55
